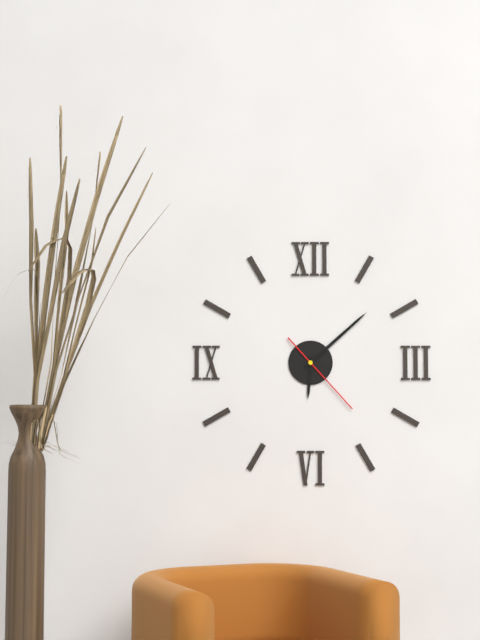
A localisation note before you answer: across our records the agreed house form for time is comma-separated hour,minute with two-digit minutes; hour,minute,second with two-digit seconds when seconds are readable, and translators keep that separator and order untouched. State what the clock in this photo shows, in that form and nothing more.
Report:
6,08,23
